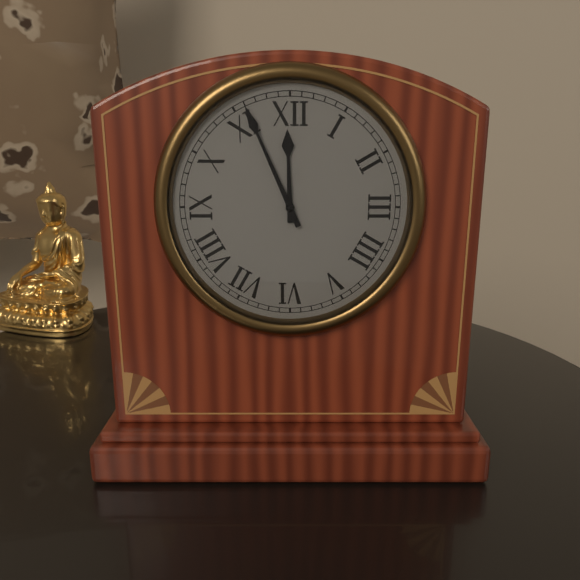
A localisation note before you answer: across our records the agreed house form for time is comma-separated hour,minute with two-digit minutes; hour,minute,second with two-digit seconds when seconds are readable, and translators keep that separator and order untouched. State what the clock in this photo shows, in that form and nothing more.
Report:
11,56
